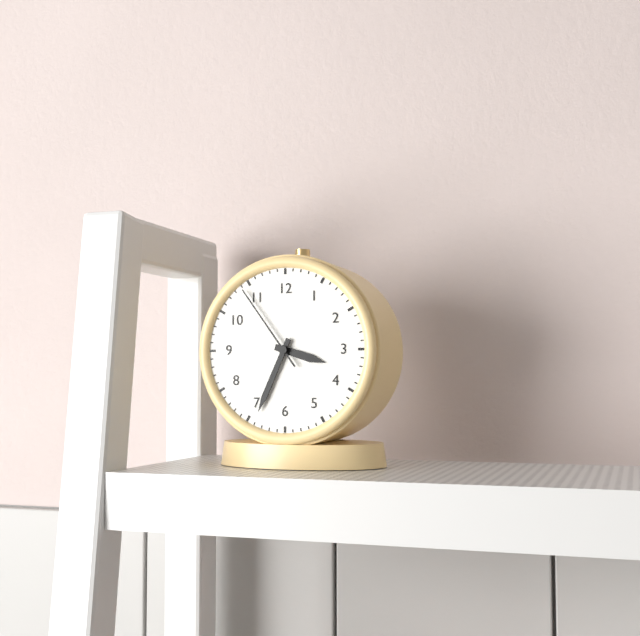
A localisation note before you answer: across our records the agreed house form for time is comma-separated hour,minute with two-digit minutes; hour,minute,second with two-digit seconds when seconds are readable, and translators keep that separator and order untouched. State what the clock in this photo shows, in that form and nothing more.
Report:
3,34,54
